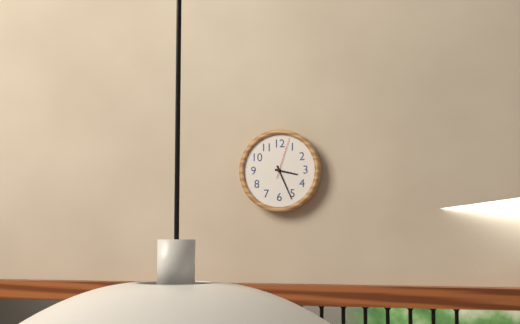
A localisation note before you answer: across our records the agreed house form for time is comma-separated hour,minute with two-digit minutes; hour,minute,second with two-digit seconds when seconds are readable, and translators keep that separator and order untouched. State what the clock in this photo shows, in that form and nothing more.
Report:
3,26
